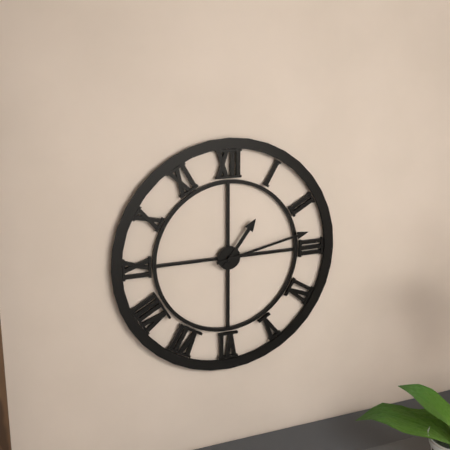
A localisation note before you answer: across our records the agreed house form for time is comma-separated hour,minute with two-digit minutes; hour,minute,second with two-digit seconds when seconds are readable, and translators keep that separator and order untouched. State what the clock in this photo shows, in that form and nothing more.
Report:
1,13
